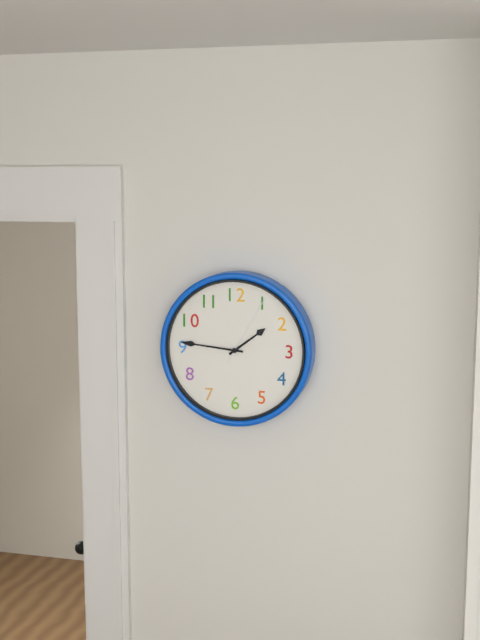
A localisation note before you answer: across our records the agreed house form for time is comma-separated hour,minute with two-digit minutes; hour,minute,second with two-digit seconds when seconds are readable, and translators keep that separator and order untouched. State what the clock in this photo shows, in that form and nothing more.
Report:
1,46,05
